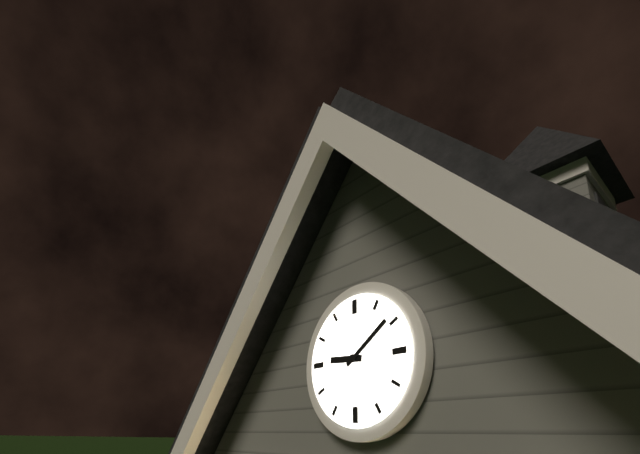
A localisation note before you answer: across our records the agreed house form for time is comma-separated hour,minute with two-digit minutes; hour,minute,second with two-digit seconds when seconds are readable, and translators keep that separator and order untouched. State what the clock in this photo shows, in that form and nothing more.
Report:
9,09
